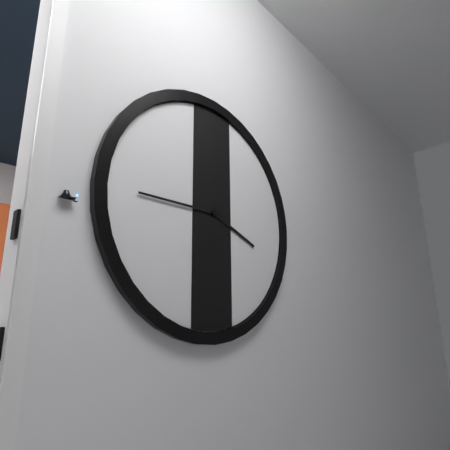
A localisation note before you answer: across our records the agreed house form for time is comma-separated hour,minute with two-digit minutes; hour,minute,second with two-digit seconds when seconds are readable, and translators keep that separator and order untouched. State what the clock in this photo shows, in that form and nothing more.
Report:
3,45
